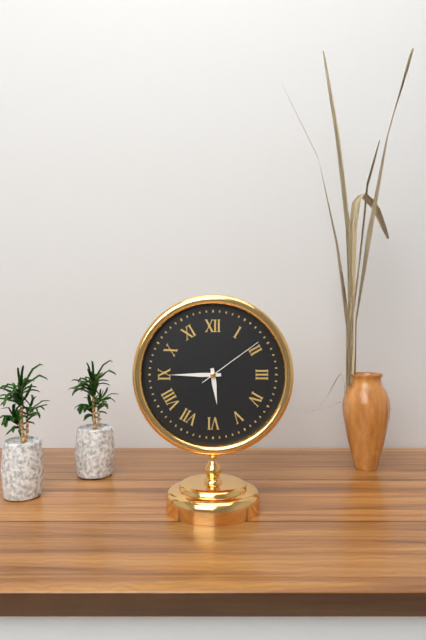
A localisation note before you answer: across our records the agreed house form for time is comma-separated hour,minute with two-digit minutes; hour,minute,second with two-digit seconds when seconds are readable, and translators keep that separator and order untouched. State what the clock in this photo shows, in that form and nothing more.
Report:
5,45,09
